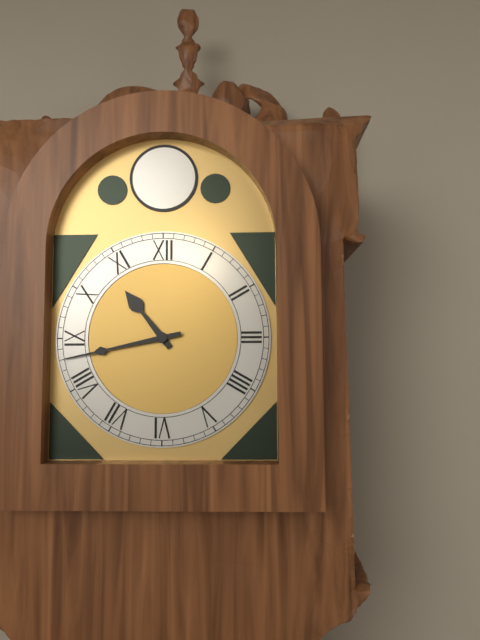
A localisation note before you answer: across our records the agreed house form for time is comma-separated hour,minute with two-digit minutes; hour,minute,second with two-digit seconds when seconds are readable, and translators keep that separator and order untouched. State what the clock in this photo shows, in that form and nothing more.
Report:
10,43
